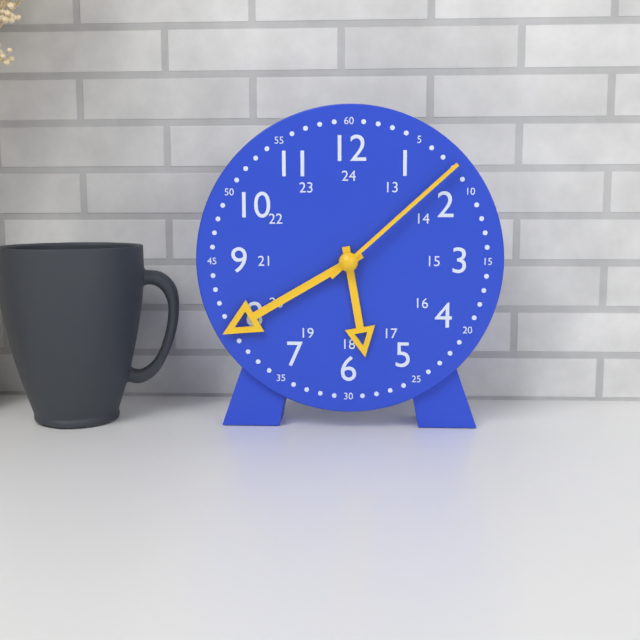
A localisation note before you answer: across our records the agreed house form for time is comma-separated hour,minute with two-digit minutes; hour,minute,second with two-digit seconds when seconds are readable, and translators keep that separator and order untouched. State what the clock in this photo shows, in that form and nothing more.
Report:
5,40,08
